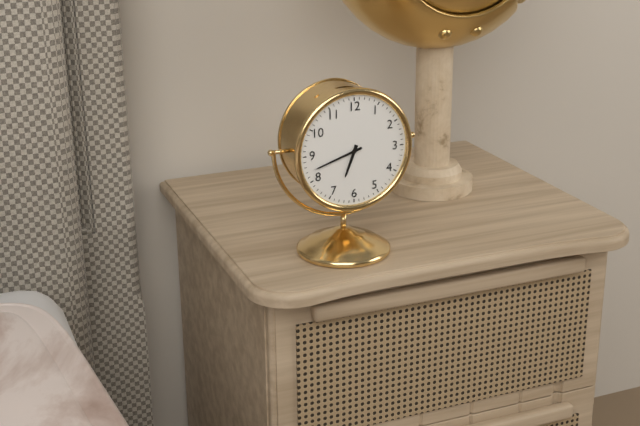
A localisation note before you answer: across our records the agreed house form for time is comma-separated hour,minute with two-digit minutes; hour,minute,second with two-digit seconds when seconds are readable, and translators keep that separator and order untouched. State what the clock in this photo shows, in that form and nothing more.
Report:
6,42
